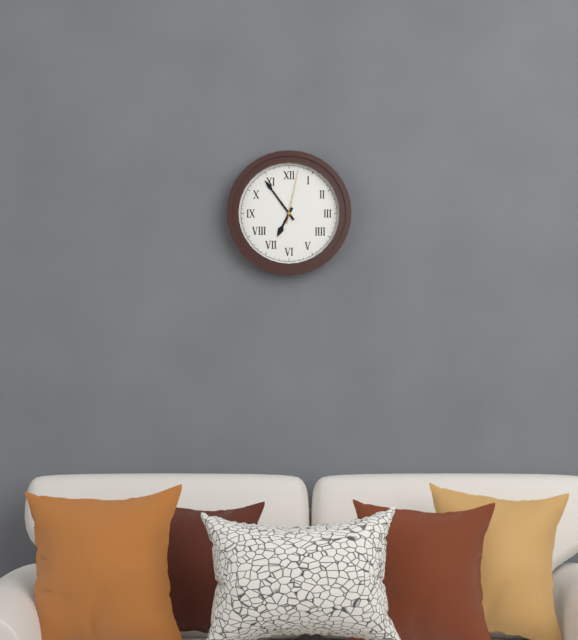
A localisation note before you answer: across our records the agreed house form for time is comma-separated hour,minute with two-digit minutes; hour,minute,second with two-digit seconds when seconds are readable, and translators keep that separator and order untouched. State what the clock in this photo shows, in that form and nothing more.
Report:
6,54,02
